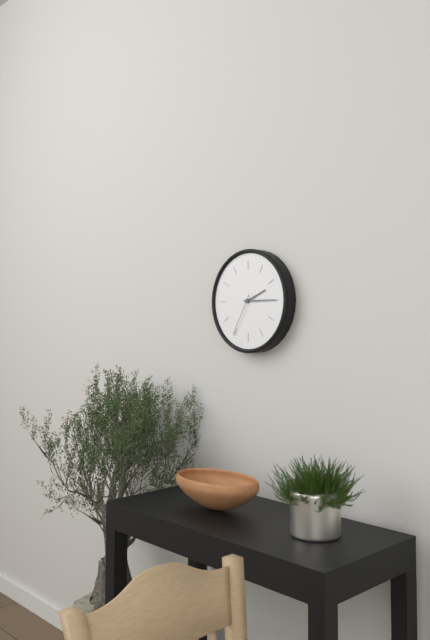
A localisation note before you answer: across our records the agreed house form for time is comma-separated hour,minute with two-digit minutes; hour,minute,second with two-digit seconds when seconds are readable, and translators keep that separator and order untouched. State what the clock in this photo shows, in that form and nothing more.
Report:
2,15
